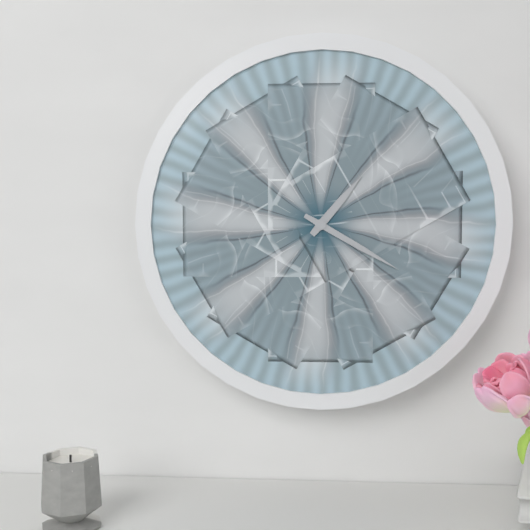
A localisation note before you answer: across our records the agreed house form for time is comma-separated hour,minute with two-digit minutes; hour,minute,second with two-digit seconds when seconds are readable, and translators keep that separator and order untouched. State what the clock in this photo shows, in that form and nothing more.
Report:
1,20
